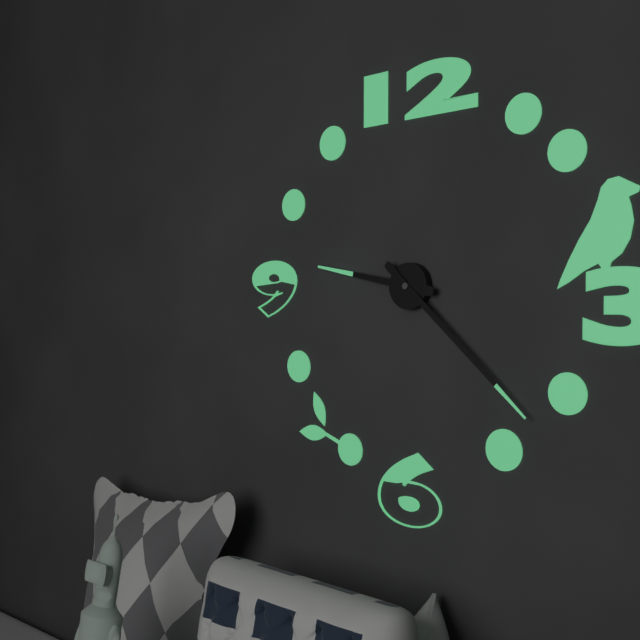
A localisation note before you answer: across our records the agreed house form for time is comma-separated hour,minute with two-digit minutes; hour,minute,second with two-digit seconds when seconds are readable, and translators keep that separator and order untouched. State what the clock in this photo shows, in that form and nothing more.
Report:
9,22
